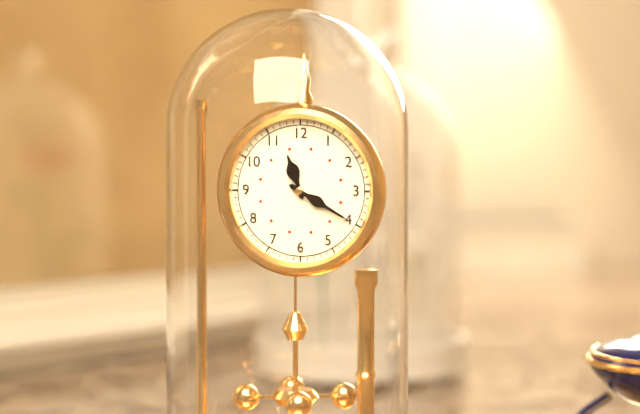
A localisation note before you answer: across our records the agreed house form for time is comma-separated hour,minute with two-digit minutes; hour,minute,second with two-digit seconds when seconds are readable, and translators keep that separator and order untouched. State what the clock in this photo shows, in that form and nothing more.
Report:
11,20
